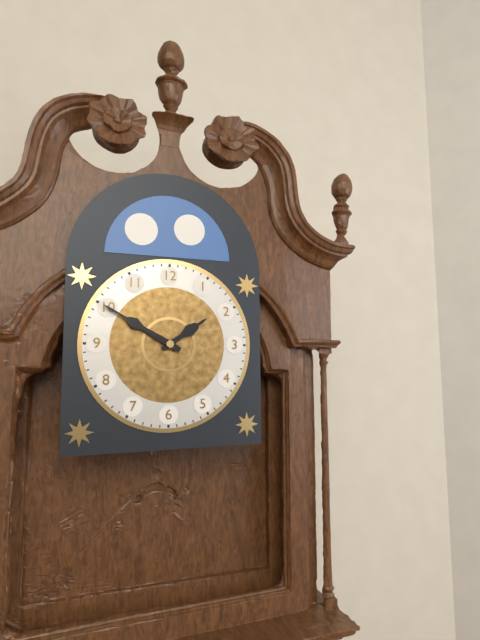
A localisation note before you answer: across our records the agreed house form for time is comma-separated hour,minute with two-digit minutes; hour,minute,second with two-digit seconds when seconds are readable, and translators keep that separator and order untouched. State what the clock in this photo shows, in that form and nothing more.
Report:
1,50
